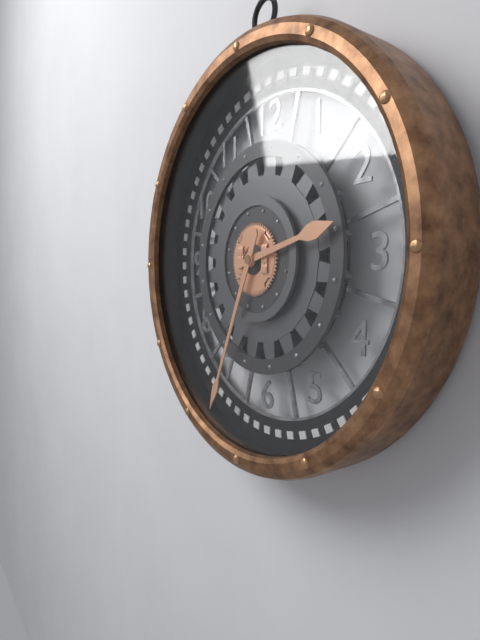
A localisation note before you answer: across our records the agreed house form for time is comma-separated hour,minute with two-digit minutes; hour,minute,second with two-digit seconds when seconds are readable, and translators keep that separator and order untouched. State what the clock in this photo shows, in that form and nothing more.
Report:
2,34
